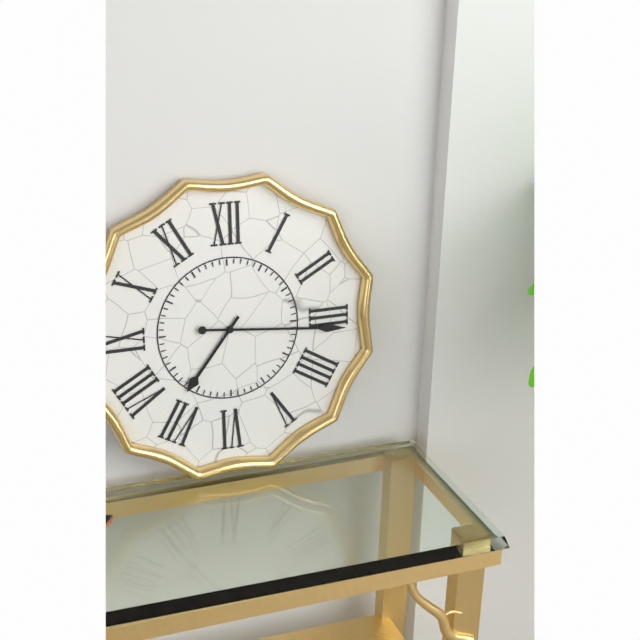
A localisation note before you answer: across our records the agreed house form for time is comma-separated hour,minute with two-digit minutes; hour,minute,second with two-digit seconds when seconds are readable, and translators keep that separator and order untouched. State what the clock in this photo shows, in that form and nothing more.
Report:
7,16
